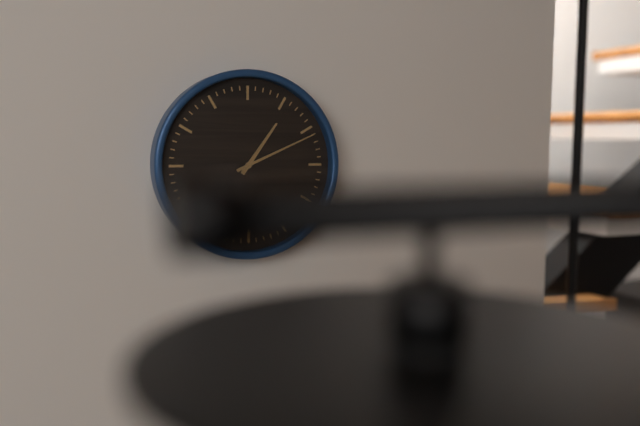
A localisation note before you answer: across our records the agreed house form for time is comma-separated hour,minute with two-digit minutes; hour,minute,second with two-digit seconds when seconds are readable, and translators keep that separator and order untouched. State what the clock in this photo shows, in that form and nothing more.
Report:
1,11
